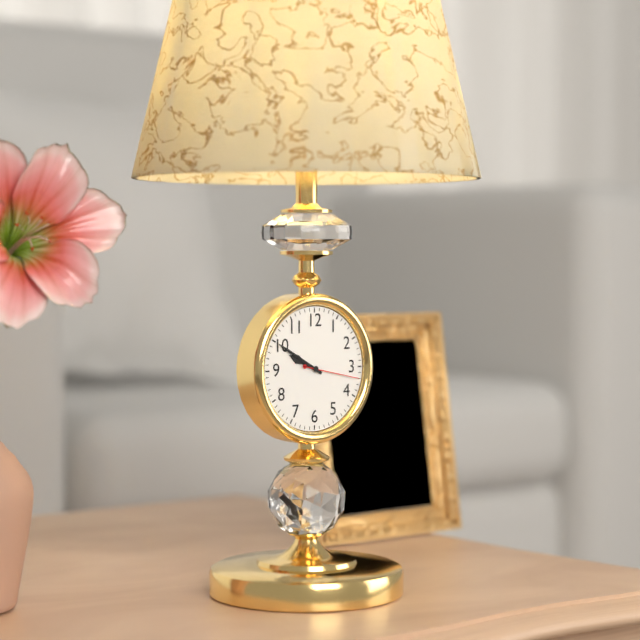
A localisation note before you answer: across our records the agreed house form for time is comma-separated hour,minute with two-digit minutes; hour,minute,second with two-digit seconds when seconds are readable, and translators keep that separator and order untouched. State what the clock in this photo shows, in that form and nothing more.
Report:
9,50,17
